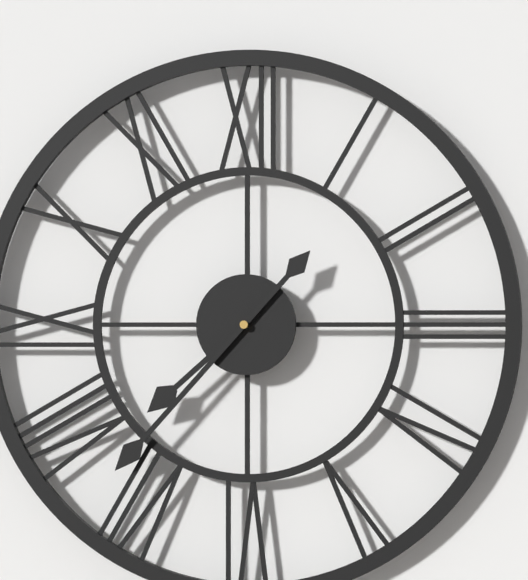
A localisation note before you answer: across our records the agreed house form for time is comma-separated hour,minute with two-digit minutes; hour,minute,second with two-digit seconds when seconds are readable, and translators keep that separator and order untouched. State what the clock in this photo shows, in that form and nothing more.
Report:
7,37
